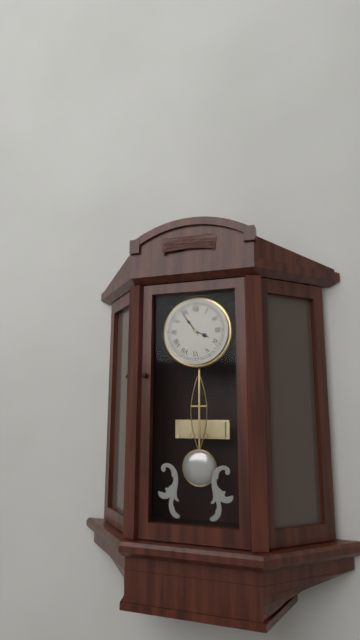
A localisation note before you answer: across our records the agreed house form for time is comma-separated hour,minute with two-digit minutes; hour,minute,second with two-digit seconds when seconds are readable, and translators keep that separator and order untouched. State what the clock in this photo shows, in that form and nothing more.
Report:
3,54
